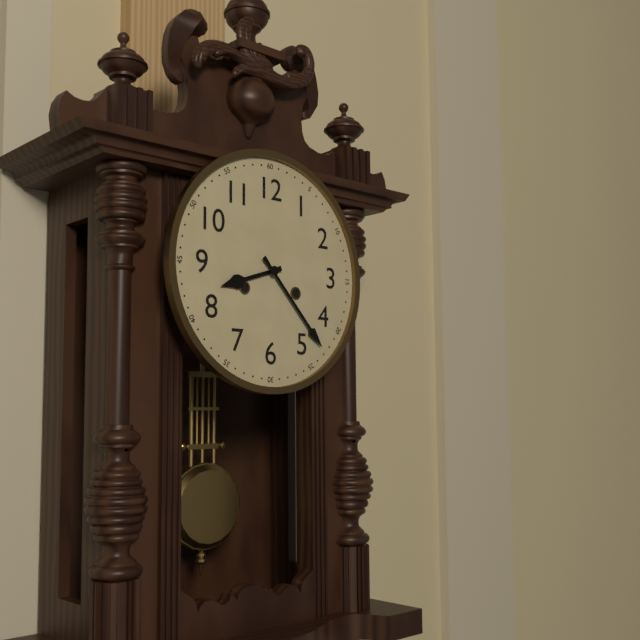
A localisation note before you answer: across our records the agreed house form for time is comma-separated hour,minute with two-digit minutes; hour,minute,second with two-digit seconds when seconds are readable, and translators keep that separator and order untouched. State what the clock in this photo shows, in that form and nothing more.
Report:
8,23
